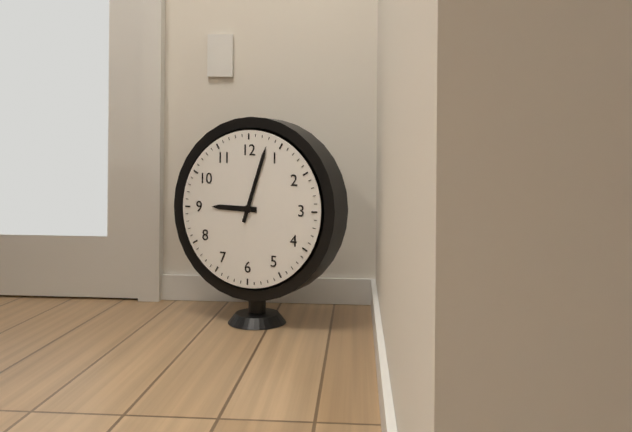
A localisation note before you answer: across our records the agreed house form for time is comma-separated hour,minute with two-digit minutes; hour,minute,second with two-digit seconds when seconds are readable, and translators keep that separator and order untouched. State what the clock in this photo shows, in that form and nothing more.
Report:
9,03
